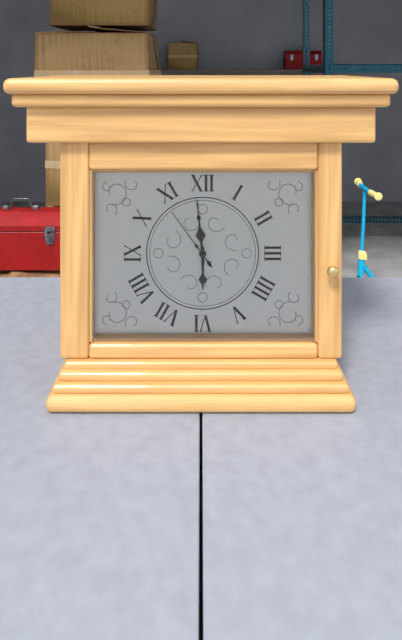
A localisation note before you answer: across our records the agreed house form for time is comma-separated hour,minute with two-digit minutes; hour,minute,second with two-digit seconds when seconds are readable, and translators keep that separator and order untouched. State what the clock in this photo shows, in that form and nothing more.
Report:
5,59,54
